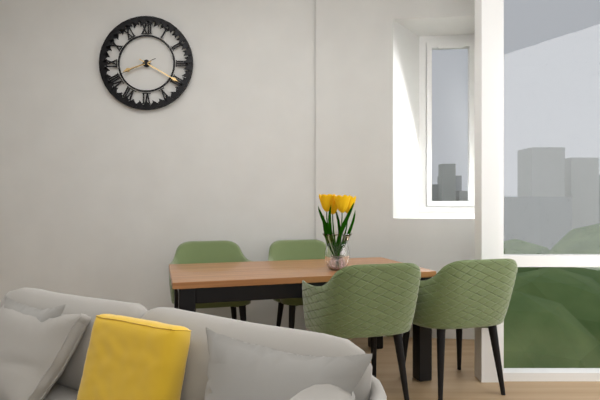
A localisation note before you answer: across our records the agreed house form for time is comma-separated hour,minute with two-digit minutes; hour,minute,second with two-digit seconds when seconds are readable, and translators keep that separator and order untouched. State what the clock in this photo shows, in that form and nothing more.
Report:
8,20,41
